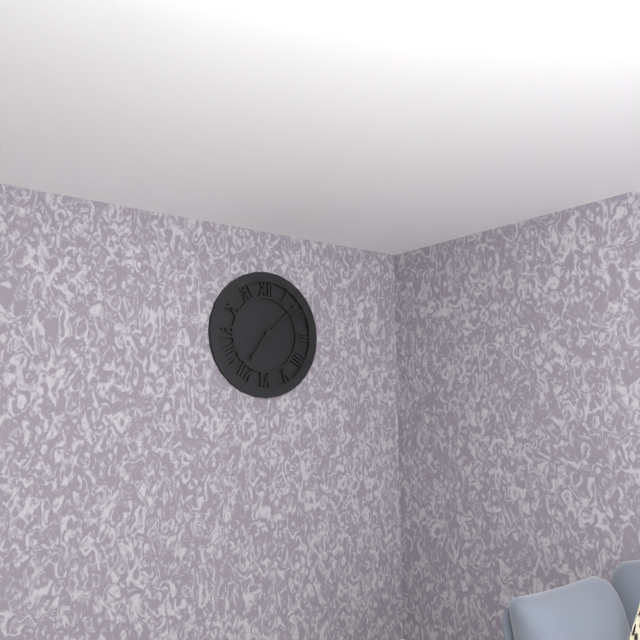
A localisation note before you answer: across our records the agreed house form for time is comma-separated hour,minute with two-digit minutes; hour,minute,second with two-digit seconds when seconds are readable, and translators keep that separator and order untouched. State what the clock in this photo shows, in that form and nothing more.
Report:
7,08,11
